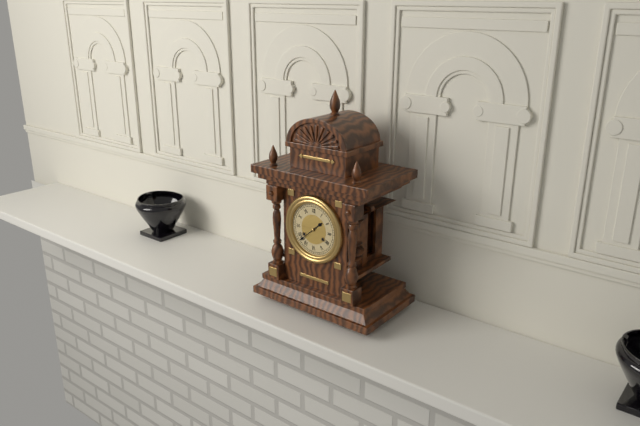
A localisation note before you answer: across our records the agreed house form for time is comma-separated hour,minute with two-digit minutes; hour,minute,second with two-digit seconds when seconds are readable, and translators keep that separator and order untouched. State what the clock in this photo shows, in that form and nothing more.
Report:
1,38
